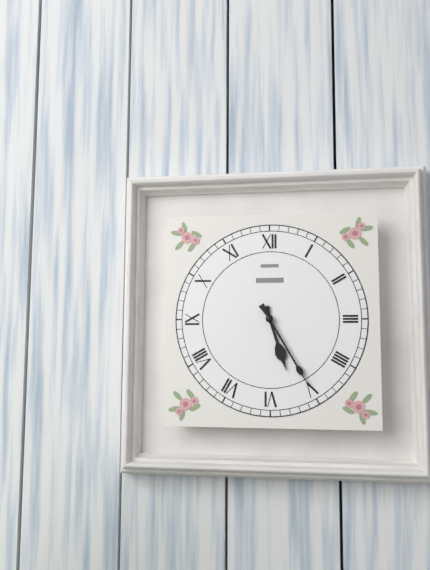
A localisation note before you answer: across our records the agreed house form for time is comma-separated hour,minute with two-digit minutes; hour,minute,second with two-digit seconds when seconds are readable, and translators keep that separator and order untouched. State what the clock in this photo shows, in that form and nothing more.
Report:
5,25
